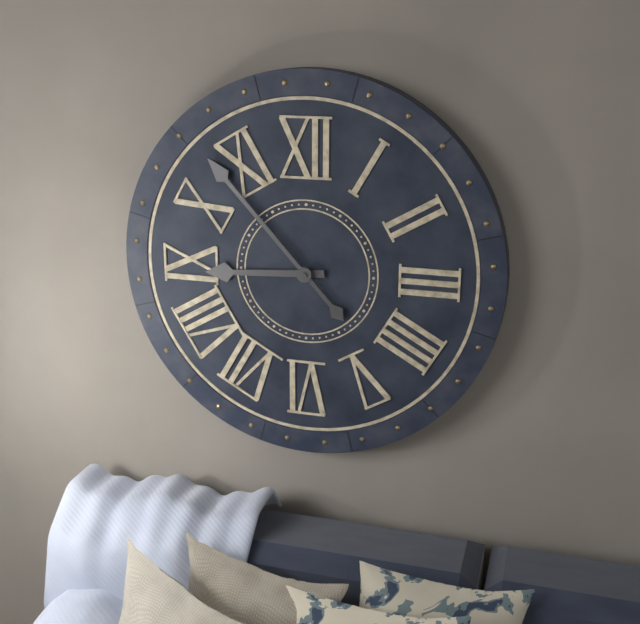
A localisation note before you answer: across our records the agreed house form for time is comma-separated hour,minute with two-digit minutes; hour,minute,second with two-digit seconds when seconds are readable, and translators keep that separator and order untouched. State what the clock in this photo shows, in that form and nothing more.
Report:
8,53
